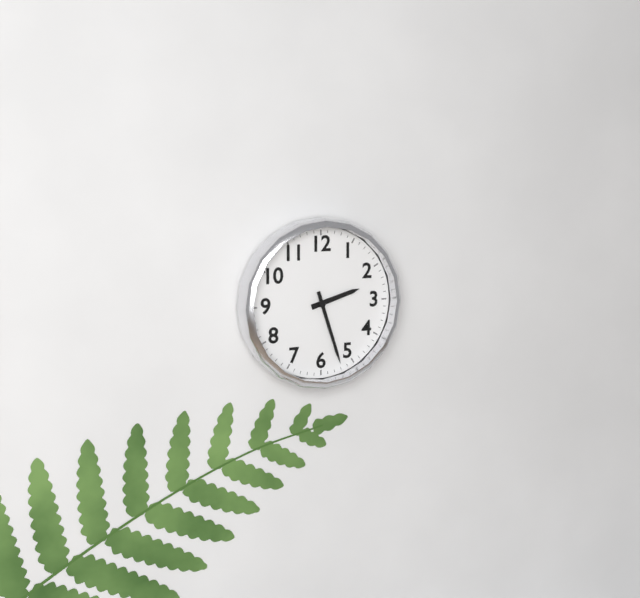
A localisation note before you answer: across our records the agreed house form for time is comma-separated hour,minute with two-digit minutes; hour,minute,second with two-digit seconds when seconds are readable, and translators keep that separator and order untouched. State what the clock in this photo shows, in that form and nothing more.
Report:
2,27
